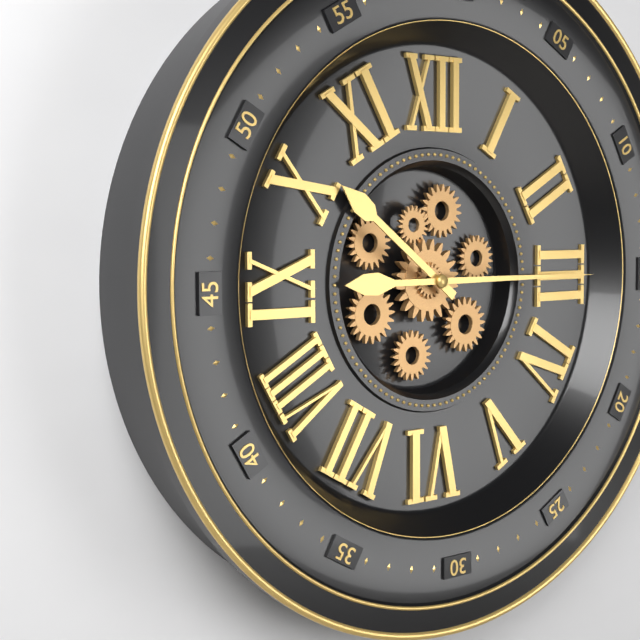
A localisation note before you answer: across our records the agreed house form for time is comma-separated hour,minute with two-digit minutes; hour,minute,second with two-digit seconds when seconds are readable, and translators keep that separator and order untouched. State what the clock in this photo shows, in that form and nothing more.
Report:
10,15
